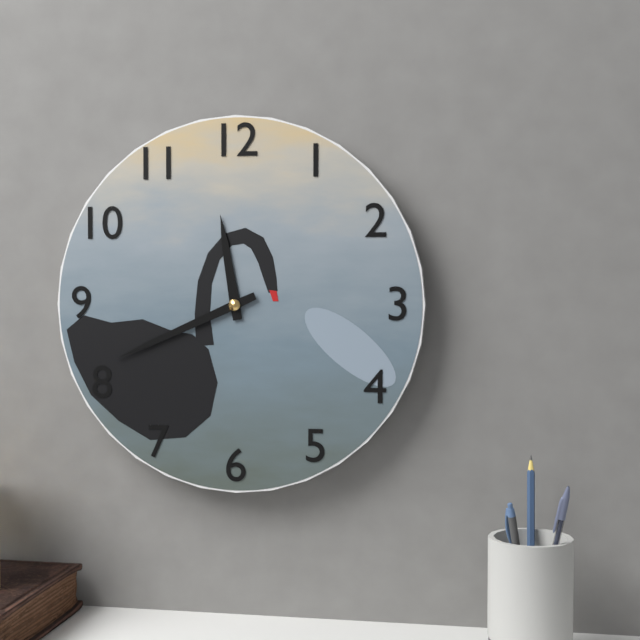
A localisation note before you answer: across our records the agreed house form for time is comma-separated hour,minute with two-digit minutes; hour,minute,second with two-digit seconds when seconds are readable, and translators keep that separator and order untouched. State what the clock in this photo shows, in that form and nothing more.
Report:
11,41
